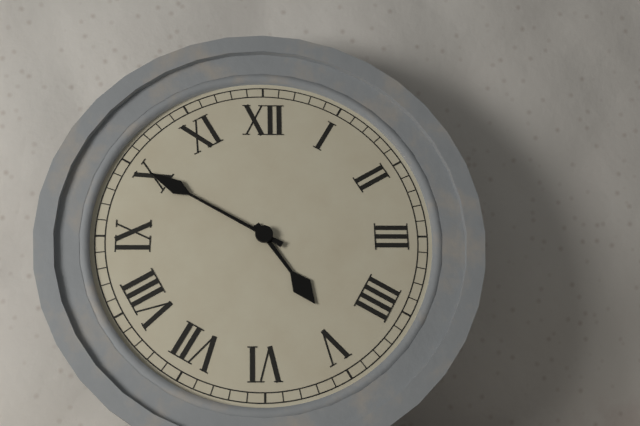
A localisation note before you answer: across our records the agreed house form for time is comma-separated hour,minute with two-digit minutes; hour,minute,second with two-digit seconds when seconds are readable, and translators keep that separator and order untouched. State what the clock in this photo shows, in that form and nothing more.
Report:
4,50
